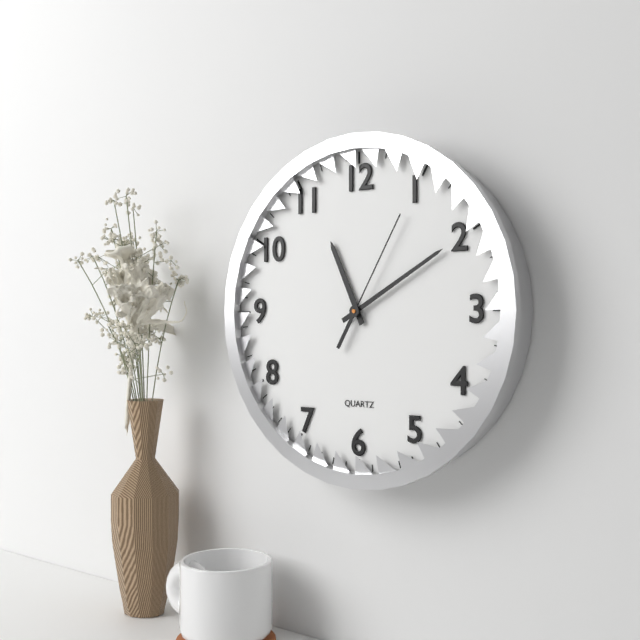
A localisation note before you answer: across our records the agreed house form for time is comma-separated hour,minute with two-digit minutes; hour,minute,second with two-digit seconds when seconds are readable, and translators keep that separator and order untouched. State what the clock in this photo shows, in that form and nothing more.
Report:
11,10,05
